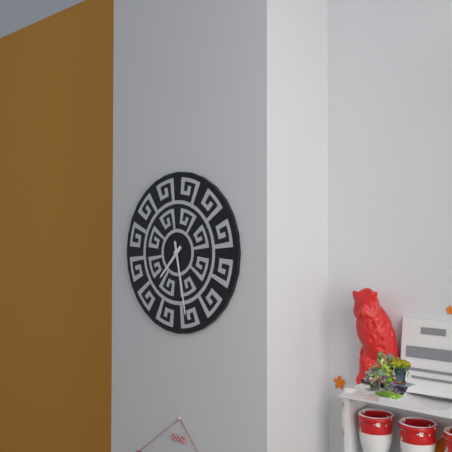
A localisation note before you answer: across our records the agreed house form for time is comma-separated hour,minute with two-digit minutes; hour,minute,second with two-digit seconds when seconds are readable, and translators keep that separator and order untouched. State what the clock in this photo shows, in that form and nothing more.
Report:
7,28
